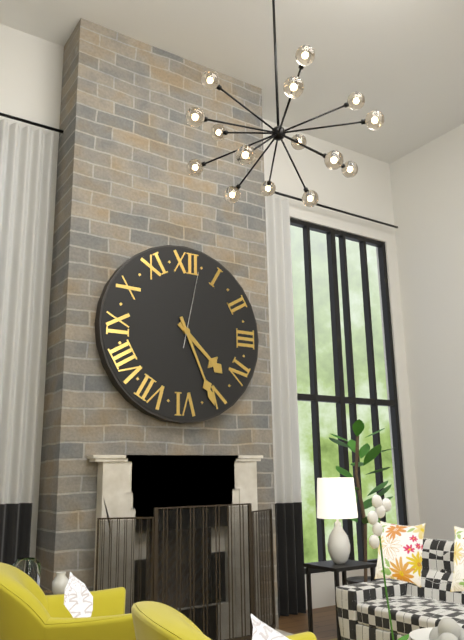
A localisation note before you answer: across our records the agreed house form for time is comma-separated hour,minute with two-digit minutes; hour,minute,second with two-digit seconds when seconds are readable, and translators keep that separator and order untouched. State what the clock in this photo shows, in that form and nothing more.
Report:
4,26,02
